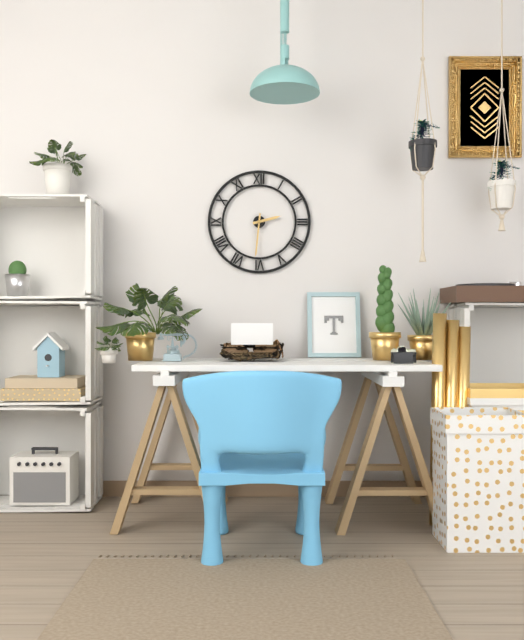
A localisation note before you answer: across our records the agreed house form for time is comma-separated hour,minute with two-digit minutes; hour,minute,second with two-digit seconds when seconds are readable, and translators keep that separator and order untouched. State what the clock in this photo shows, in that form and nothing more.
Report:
2,31
